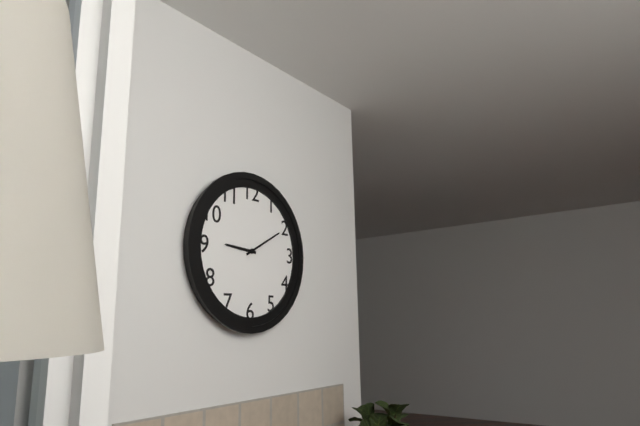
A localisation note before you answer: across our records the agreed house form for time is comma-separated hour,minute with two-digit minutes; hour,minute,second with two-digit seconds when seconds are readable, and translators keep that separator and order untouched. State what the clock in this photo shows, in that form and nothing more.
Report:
9,10
